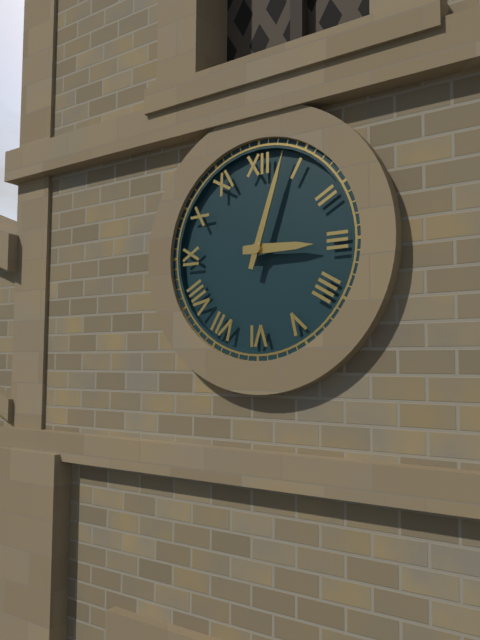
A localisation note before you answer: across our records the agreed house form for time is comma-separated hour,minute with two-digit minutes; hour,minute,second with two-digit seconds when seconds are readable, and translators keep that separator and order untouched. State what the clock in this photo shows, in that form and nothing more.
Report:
3,03
